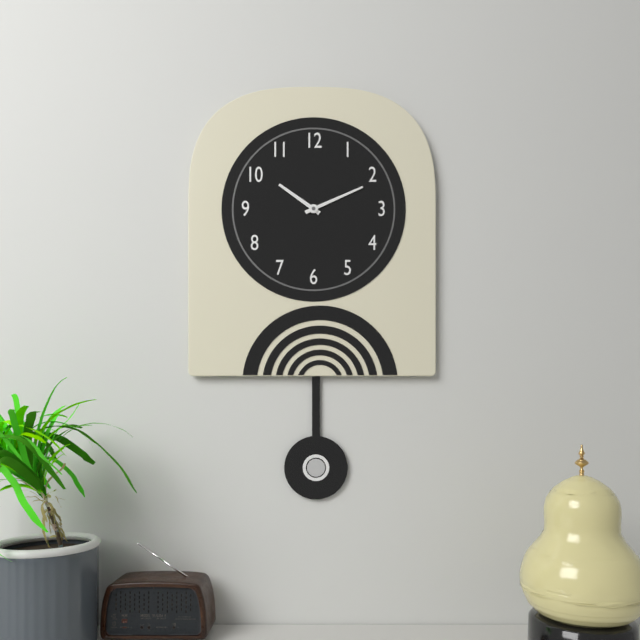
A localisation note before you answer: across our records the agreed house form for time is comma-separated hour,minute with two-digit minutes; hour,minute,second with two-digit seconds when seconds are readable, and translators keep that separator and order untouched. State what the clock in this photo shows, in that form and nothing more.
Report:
10,11
